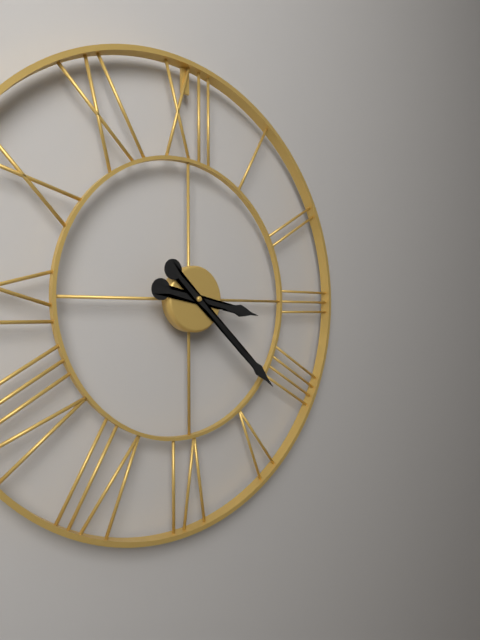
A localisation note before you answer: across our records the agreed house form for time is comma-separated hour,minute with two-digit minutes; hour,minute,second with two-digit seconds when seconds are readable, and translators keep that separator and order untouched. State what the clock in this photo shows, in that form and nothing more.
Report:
3,22
